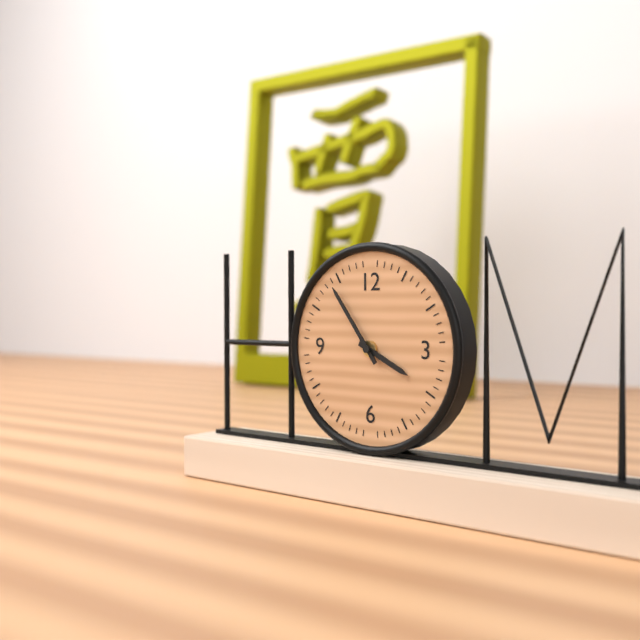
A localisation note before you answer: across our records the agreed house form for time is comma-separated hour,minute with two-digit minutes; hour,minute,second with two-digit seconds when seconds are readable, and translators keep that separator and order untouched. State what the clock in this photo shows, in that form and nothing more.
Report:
3,54
